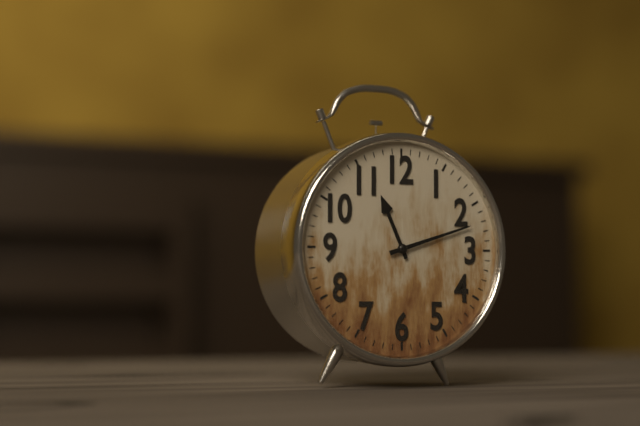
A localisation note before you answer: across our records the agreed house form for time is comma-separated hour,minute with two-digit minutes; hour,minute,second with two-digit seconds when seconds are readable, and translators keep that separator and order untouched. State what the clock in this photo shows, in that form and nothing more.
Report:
11,12
